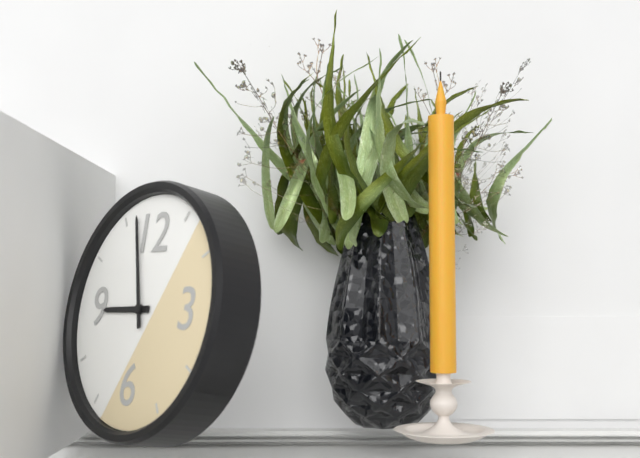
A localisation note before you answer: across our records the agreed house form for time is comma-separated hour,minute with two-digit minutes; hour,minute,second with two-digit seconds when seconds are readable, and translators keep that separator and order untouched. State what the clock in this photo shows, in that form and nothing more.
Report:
8,57
